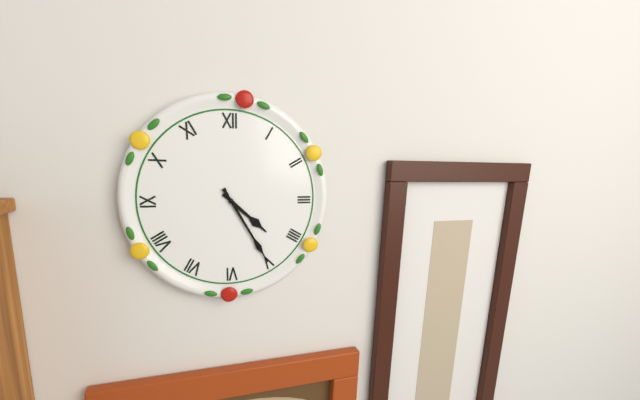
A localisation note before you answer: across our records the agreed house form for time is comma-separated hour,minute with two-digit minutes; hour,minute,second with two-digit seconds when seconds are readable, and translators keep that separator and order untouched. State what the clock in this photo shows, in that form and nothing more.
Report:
4,25
